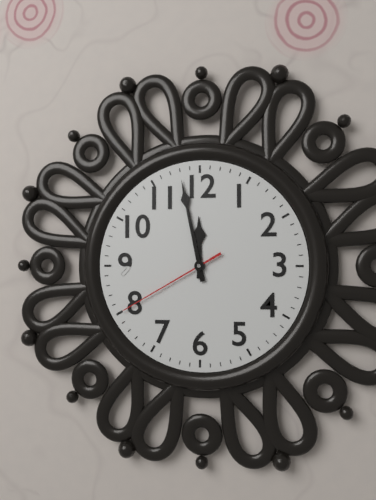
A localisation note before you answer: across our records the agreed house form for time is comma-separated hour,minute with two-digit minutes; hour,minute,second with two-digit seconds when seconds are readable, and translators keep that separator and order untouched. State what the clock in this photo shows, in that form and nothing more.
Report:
11,58,40
